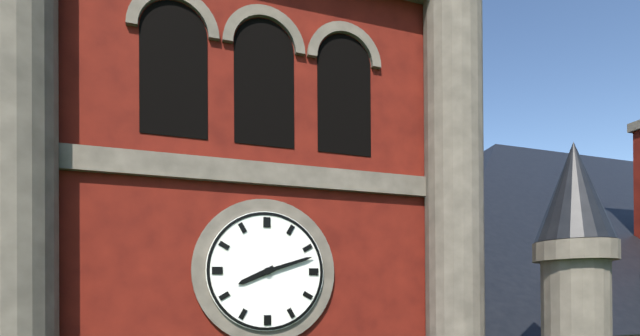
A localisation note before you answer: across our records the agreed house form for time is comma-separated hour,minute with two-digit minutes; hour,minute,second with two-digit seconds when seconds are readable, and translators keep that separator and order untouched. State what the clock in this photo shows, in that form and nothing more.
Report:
8,12
